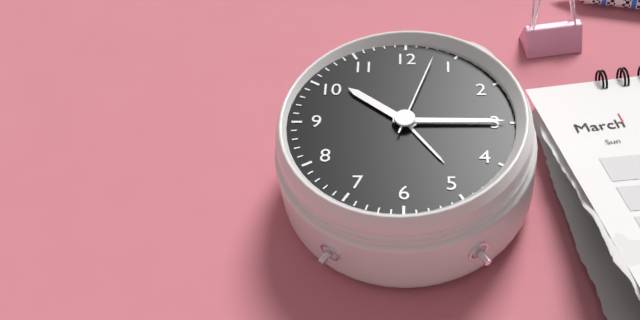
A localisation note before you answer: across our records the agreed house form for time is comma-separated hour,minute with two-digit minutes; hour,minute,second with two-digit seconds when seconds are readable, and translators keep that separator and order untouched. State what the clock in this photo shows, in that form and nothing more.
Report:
10,15,03
